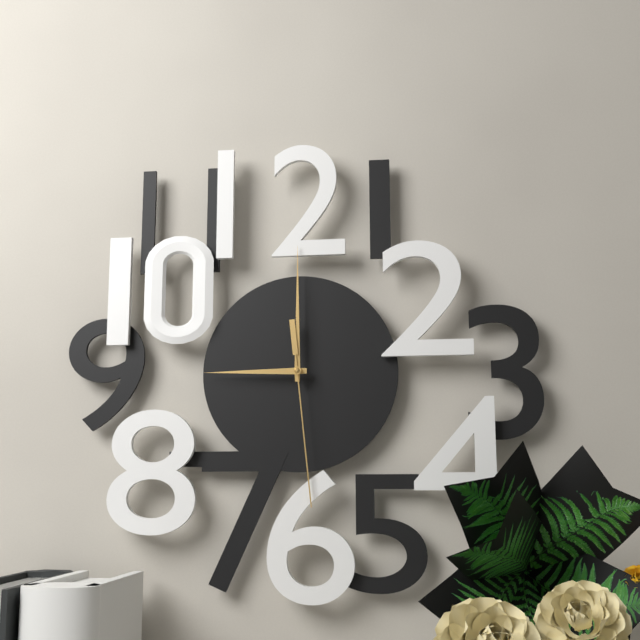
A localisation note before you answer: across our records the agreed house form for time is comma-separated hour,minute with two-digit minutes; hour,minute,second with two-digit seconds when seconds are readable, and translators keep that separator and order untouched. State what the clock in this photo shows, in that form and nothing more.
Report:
9,00,29
